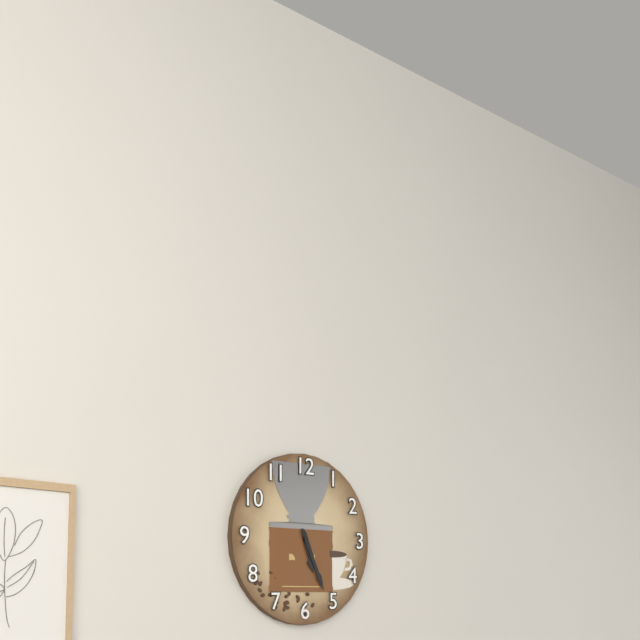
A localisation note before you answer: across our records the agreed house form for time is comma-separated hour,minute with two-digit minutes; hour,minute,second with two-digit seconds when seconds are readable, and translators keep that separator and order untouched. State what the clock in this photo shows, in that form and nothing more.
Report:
5,26
